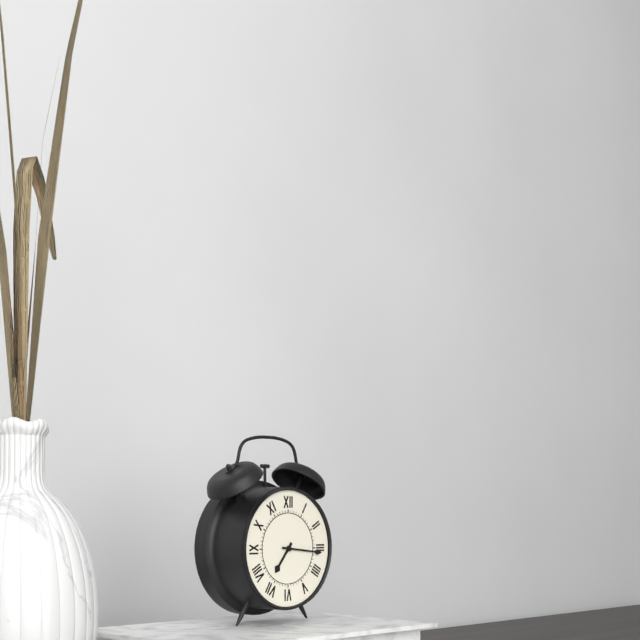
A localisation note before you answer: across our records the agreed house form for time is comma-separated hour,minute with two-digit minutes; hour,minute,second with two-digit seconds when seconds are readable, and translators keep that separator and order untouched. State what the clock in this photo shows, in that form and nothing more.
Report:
7,16
